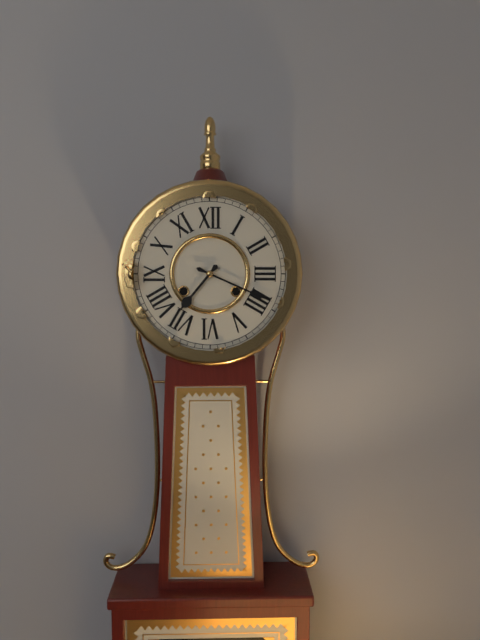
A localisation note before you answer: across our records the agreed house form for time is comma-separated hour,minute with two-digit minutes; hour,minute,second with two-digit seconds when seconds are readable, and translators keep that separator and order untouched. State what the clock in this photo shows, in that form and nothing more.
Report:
7,19
